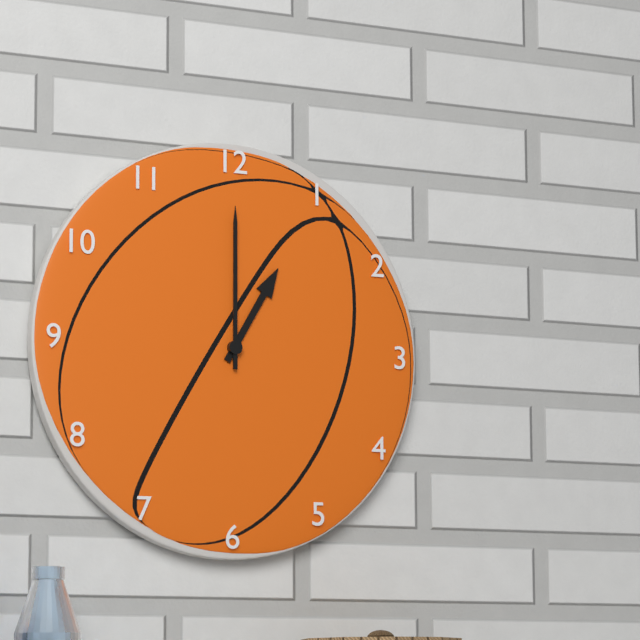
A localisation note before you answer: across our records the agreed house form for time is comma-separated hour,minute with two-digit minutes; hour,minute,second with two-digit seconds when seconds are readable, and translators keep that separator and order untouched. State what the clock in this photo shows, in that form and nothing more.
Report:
1,00
